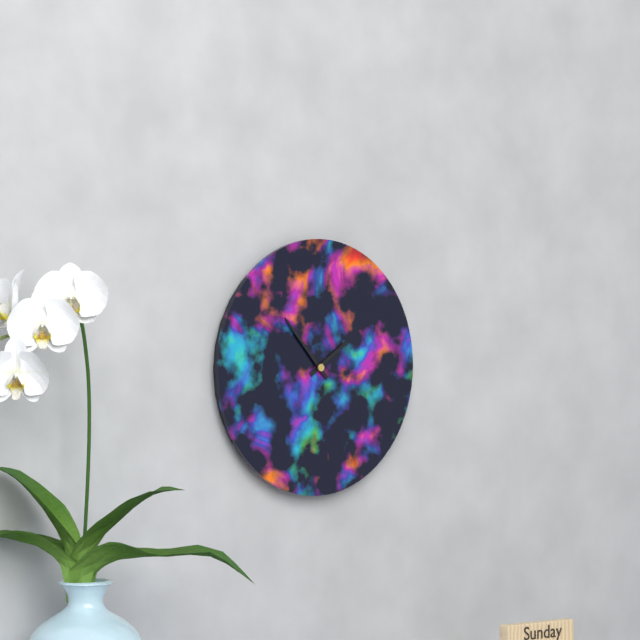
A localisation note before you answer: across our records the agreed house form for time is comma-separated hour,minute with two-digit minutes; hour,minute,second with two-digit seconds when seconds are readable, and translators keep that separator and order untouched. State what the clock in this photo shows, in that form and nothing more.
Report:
1,53
